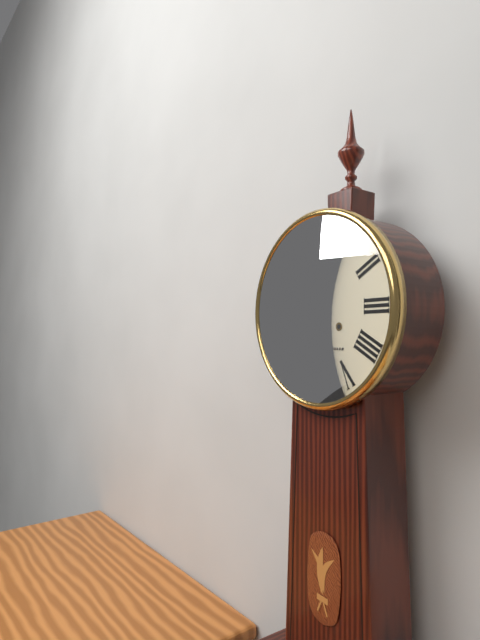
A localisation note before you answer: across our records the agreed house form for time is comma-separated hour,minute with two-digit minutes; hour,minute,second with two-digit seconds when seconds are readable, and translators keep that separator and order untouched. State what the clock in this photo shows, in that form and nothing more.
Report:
11,37
